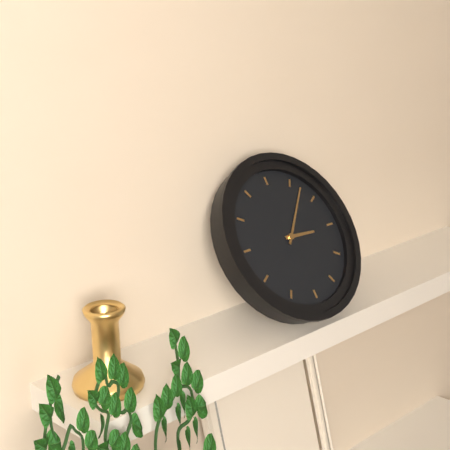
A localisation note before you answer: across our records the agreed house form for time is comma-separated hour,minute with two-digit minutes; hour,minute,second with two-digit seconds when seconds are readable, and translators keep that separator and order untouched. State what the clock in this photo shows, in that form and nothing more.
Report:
3,07
